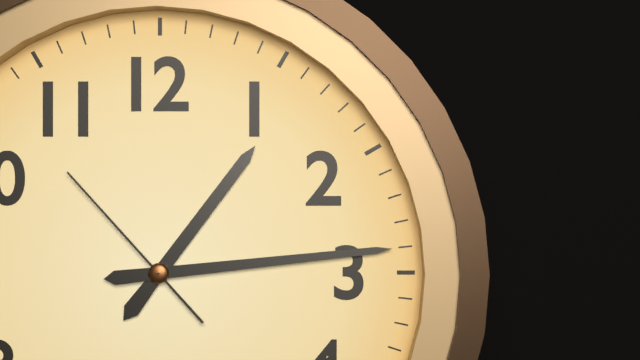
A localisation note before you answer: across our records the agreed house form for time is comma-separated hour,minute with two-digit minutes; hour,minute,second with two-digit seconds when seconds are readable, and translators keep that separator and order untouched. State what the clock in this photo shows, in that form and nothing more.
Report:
1,14,53
